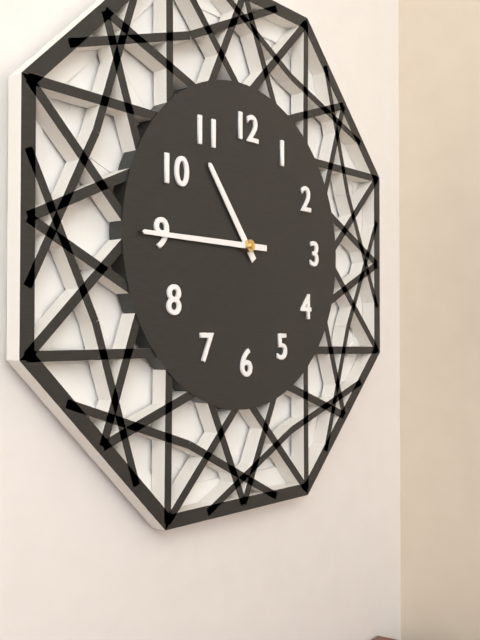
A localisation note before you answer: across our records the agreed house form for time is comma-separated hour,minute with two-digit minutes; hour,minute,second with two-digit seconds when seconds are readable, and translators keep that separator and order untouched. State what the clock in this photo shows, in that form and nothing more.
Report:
10,45
